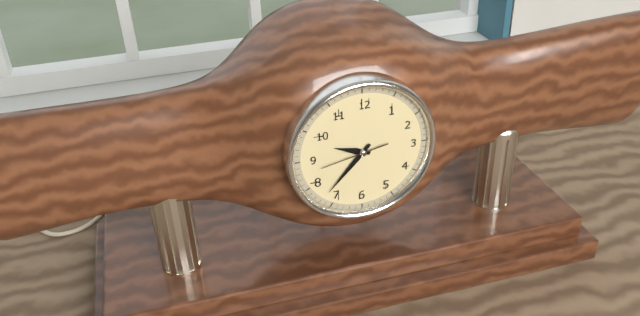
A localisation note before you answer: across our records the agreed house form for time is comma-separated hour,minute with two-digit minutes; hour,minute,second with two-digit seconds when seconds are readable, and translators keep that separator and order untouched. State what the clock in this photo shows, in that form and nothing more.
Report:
9,37,43
